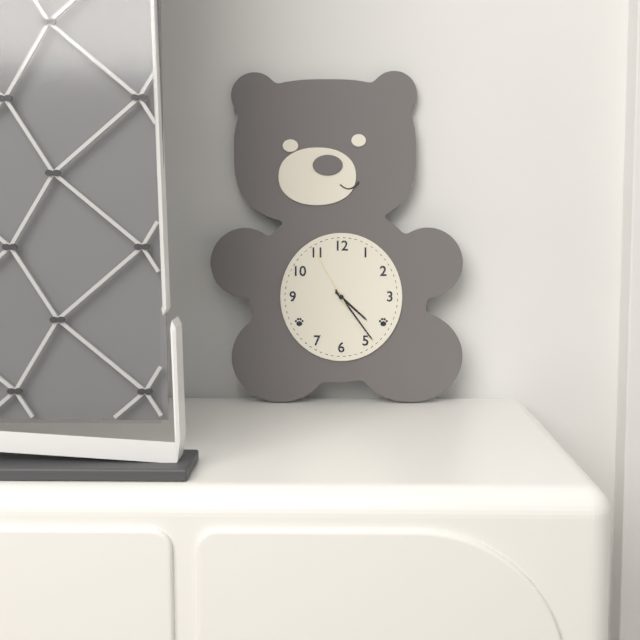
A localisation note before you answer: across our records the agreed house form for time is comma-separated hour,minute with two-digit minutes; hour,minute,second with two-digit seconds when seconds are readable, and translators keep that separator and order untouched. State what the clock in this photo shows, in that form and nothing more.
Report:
4,24,55
